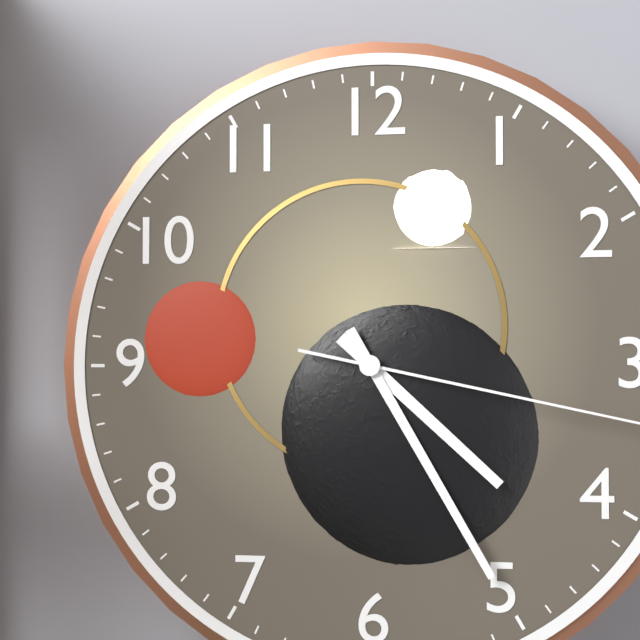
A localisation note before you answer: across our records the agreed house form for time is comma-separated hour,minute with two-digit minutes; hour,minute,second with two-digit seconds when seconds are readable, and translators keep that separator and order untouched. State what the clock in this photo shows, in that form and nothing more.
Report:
4,25
